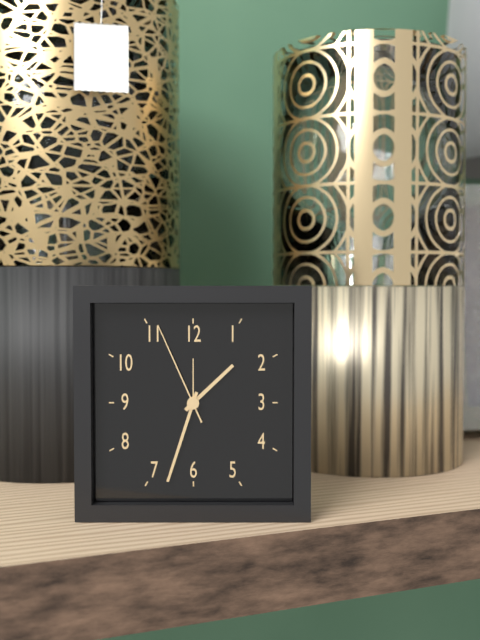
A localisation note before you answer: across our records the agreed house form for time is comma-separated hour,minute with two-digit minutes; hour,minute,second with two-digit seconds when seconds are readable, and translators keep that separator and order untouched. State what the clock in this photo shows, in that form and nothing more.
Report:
1,33,56
